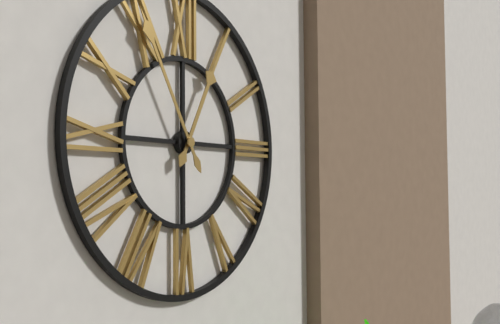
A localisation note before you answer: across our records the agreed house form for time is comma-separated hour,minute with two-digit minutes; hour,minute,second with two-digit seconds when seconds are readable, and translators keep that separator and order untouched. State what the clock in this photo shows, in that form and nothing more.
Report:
12,55
